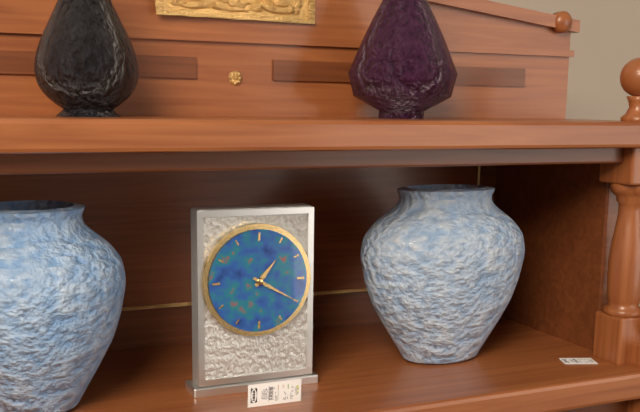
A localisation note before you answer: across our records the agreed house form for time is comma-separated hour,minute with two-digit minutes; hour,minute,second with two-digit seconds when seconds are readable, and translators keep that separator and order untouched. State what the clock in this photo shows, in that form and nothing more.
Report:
1,20
